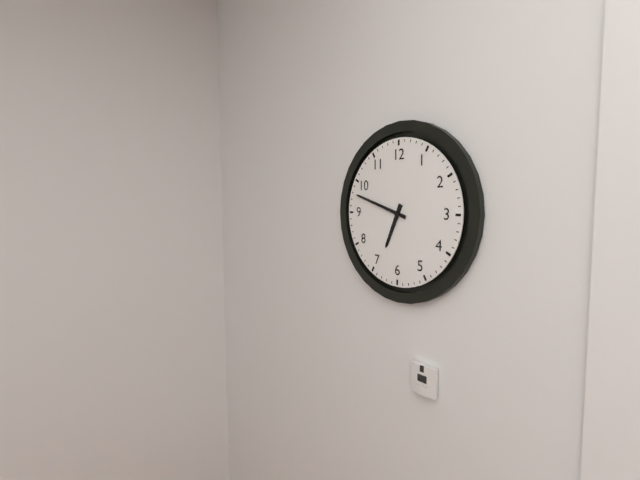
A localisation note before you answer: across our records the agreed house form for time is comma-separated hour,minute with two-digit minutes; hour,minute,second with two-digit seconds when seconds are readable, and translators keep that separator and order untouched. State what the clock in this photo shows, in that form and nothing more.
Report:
6,48
